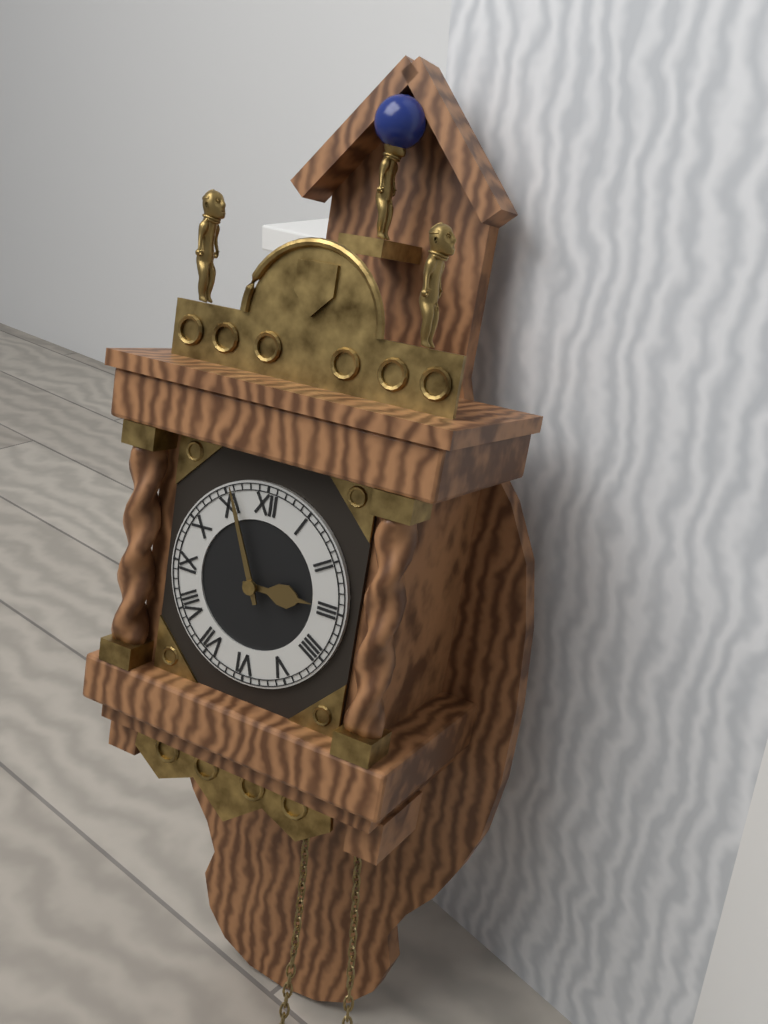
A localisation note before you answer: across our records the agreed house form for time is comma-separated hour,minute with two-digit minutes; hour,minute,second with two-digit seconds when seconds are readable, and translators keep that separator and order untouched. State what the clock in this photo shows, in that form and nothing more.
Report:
2,56
